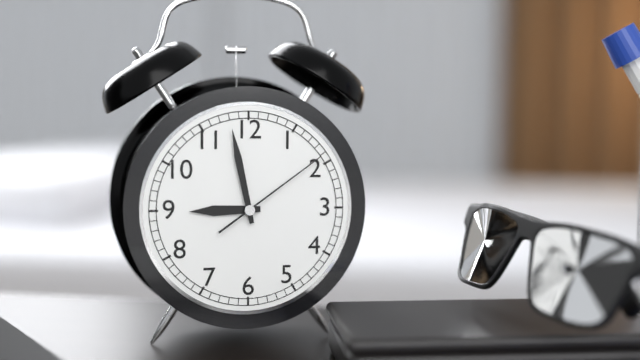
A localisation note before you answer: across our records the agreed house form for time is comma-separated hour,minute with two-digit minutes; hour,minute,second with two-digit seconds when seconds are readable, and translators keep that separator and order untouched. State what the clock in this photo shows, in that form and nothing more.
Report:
8,58,09
